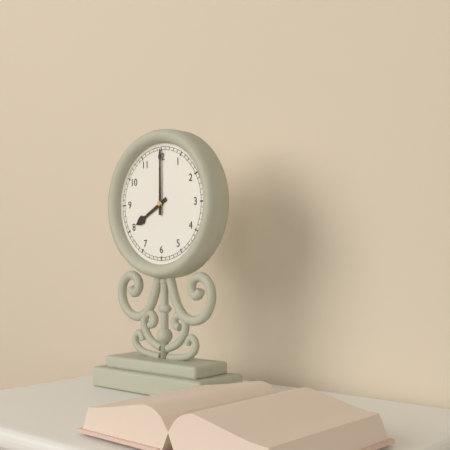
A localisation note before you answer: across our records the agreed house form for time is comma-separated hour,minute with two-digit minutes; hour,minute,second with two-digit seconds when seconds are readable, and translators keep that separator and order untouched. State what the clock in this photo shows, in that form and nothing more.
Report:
8,00
